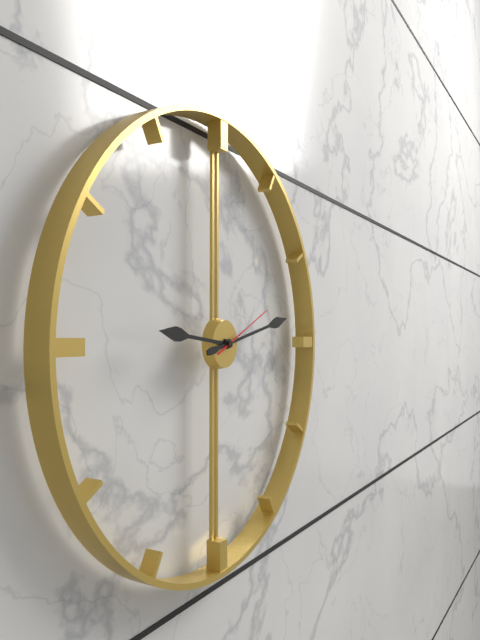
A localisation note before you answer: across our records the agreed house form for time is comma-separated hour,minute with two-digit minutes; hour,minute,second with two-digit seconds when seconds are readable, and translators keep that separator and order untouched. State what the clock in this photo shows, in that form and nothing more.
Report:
9,13,11
